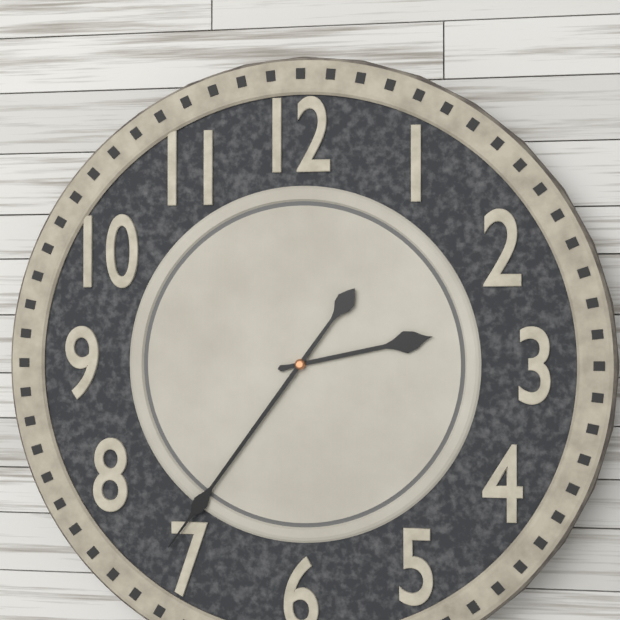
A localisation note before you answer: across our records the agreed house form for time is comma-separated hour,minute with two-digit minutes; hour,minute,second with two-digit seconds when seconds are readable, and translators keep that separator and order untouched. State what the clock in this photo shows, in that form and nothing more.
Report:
2,36
